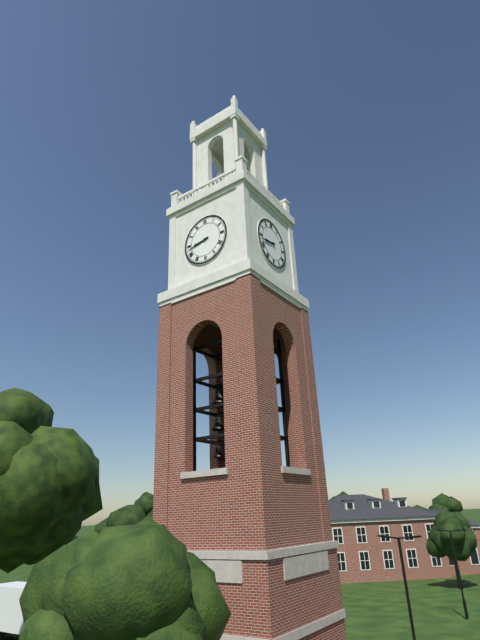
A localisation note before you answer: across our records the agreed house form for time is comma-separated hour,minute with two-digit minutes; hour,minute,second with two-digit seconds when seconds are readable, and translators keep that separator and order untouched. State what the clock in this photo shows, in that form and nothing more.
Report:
8,43
